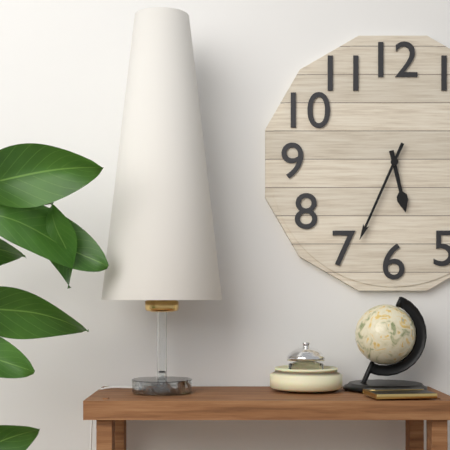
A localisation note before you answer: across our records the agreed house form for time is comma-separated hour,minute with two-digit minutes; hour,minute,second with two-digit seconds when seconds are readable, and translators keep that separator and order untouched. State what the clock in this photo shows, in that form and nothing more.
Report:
5,34
